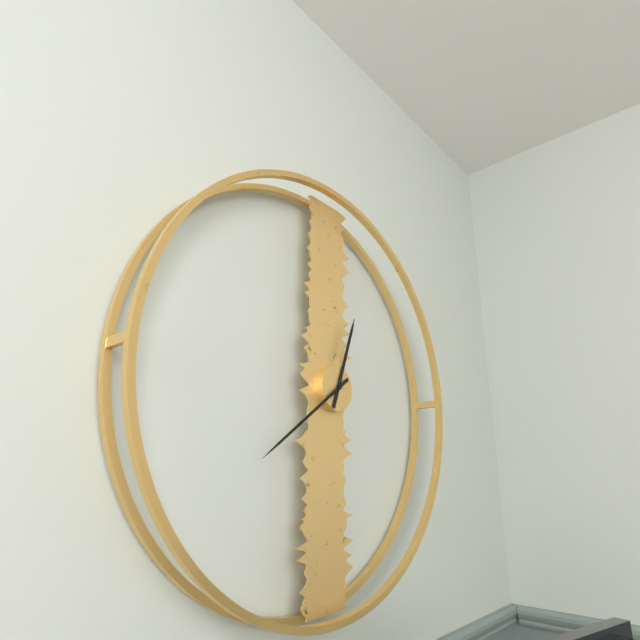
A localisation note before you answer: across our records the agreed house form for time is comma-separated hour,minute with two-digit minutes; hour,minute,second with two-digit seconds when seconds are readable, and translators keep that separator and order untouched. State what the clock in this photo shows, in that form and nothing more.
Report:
12,39
